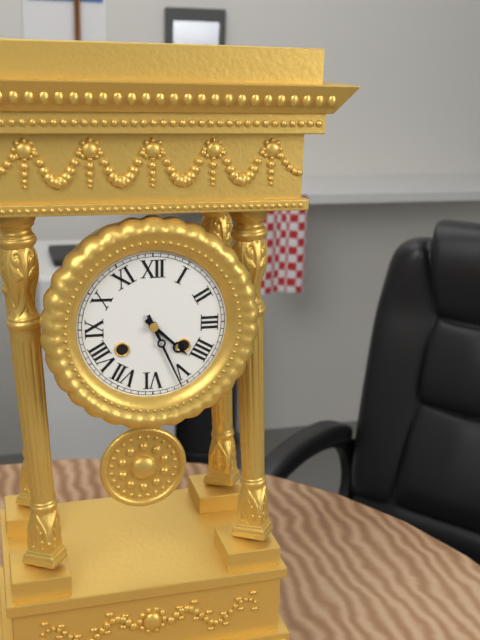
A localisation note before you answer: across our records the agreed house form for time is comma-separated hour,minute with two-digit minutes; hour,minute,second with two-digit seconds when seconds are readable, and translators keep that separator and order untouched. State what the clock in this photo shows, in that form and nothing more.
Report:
4,26
